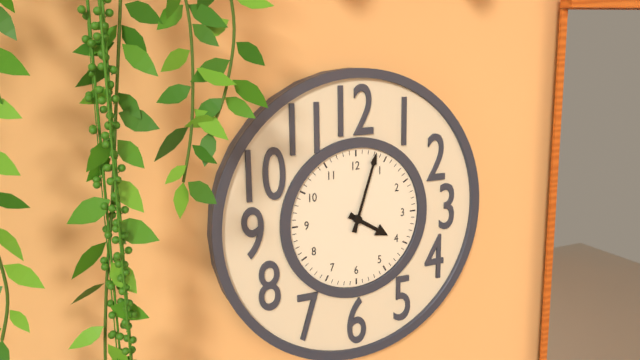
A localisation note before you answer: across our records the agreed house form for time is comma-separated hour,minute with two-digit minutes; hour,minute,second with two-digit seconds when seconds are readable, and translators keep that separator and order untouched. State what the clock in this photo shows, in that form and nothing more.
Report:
4,03
